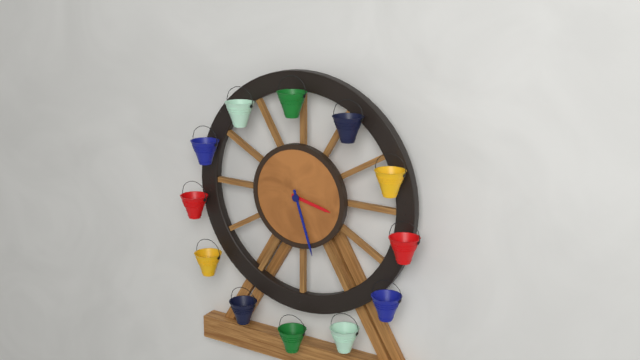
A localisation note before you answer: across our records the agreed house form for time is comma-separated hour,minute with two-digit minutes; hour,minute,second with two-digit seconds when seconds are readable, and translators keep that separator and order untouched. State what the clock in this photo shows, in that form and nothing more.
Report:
3,27
